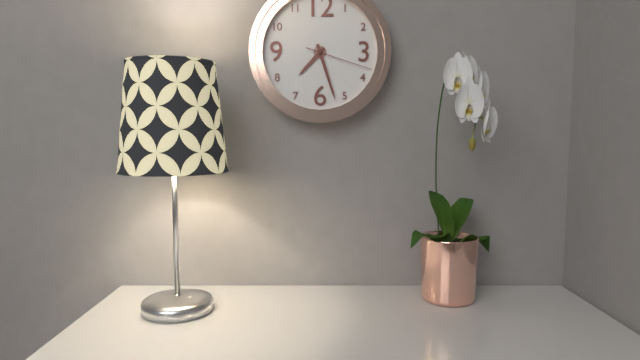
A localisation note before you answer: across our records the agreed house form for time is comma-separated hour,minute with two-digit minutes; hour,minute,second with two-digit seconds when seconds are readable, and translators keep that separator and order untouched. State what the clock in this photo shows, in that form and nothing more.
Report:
7,27,18
